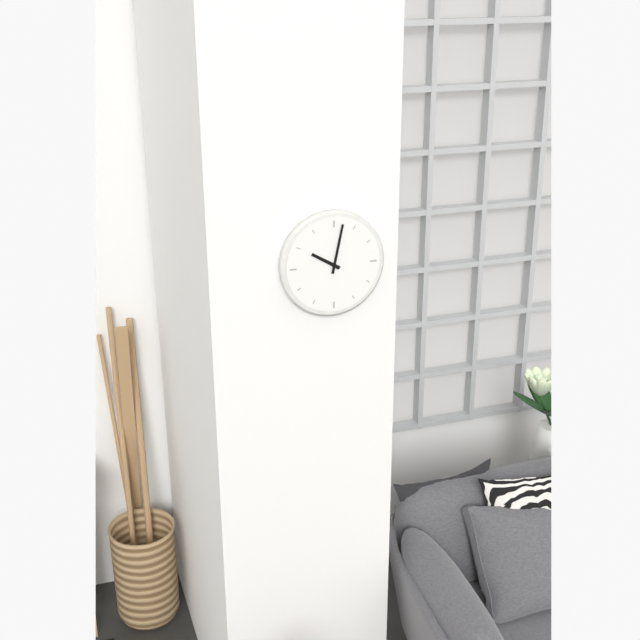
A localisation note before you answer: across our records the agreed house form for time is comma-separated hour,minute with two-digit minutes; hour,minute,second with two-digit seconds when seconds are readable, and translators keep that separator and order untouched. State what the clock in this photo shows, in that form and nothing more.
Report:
10,02
